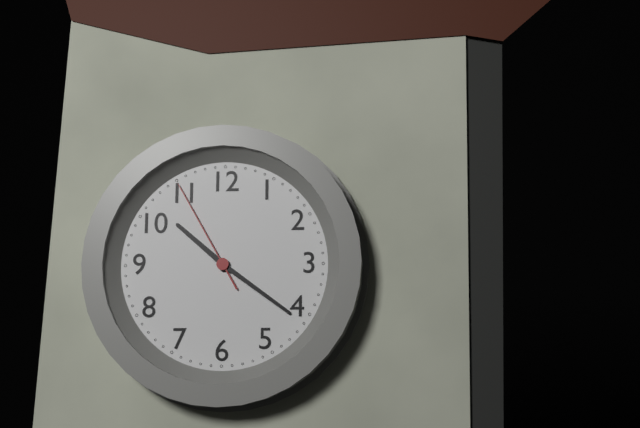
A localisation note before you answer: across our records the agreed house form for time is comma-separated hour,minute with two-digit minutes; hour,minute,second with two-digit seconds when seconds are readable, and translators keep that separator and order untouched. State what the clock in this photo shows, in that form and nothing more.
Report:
10,21,55
